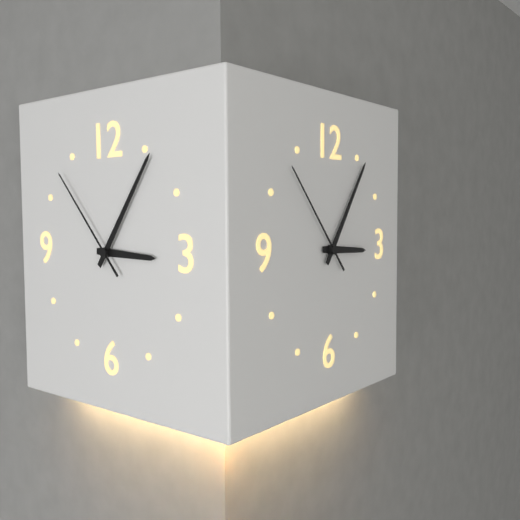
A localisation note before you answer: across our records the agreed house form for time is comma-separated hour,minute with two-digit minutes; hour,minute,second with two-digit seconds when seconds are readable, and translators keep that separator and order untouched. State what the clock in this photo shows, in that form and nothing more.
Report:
3,06,53
